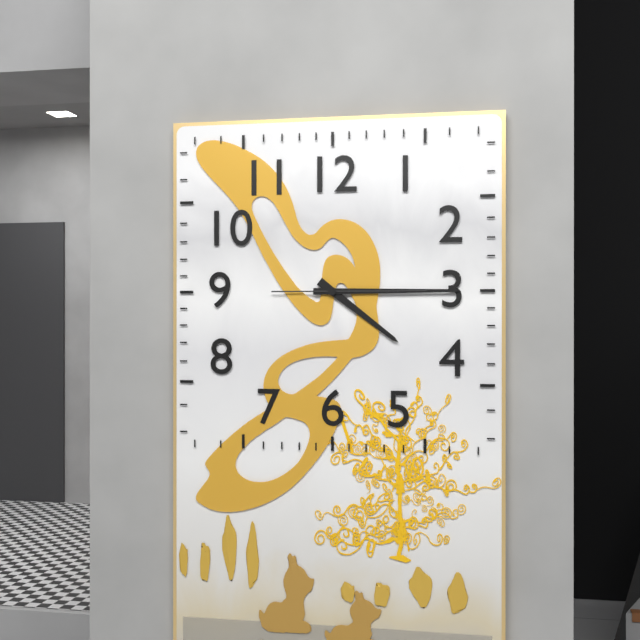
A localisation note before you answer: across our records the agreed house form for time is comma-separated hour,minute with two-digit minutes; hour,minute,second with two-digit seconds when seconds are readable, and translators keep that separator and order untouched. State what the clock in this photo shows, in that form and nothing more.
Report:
4,15,15
